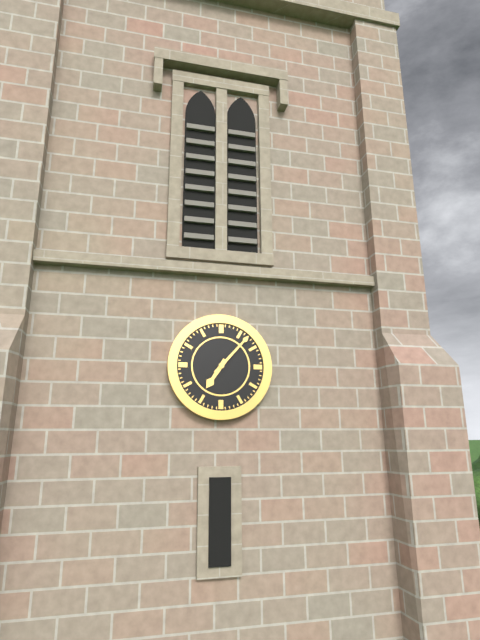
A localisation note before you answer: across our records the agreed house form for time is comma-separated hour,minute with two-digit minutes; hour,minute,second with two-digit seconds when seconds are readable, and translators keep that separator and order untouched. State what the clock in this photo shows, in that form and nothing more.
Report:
7,07
